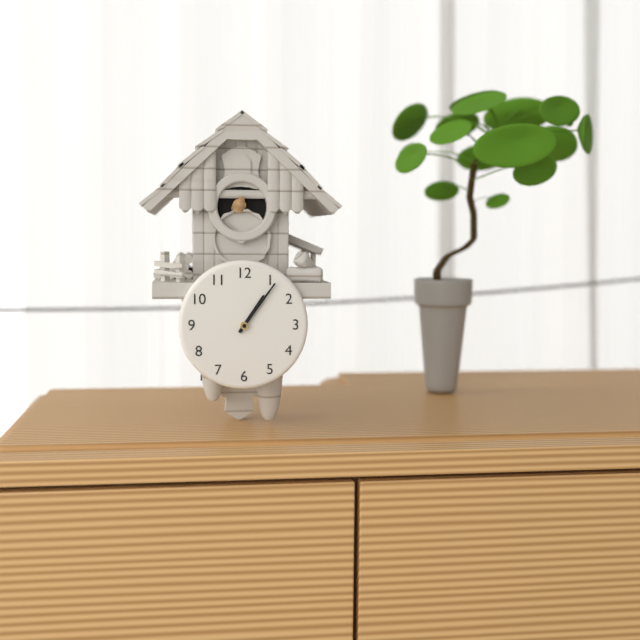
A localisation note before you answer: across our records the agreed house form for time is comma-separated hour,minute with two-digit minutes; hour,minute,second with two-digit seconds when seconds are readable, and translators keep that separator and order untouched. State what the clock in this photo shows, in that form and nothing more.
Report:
1,06
